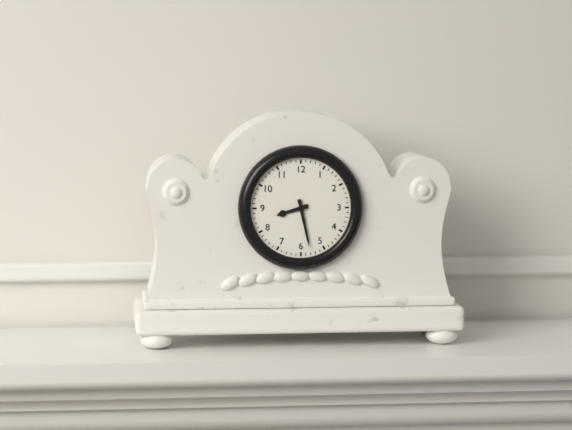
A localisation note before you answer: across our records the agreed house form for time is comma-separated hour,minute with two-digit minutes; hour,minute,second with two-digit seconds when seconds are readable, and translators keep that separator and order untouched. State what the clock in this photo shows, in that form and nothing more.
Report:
8,28
